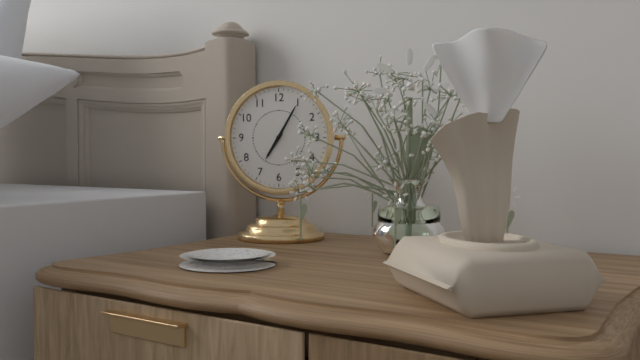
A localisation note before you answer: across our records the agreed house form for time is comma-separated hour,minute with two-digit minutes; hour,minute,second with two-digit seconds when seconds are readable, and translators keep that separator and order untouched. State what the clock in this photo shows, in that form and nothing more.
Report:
7,05
